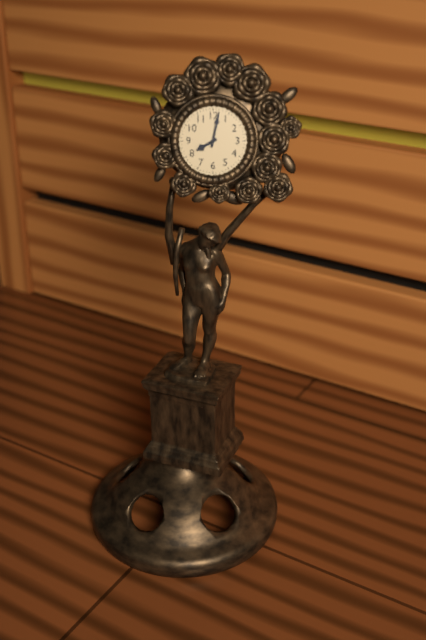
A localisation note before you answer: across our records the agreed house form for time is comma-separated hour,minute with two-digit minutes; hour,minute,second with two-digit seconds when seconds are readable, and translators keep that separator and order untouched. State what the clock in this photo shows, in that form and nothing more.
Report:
8,02
